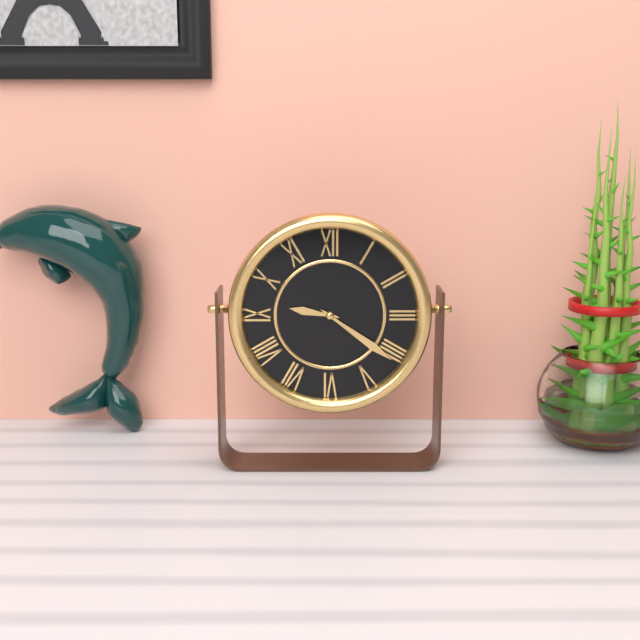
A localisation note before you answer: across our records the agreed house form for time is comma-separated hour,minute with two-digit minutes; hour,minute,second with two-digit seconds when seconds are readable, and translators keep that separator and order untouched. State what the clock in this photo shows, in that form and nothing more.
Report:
9,21
